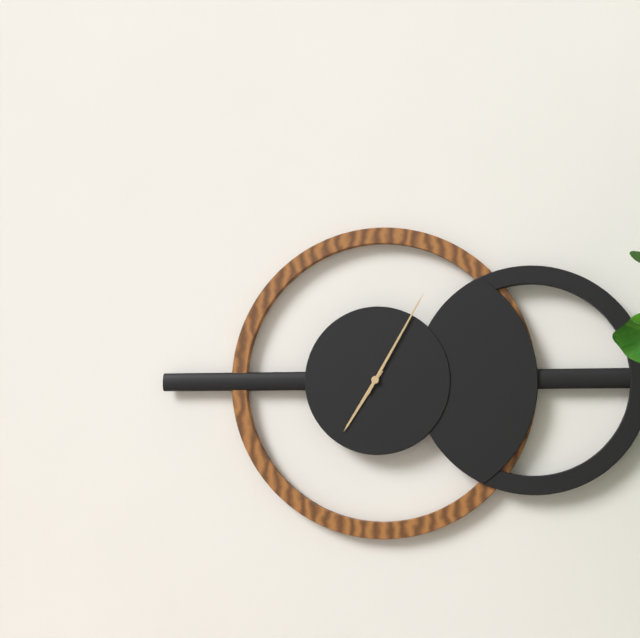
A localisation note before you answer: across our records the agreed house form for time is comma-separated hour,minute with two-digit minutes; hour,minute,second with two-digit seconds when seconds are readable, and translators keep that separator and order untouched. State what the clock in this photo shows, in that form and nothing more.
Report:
7,05
